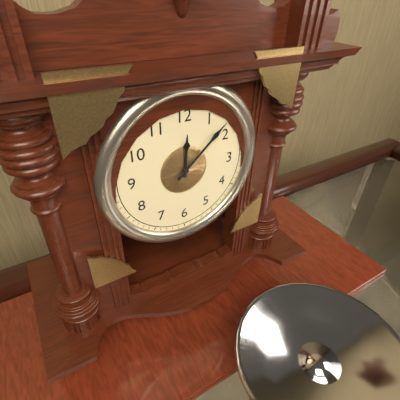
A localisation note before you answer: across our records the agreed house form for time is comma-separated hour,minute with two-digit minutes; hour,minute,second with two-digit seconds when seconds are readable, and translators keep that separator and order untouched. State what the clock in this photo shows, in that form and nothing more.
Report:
12,08
